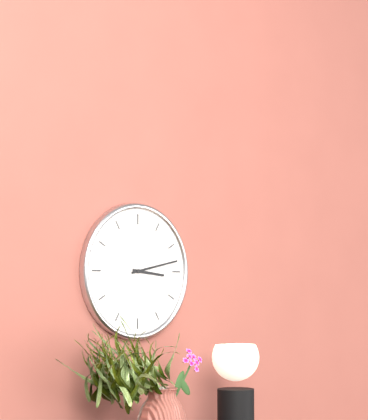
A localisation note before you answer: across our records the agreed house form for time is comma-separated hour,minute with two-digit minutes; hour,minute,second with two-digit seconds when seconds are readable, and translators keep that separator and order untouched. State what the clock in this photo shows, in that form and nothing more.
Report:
3,13
